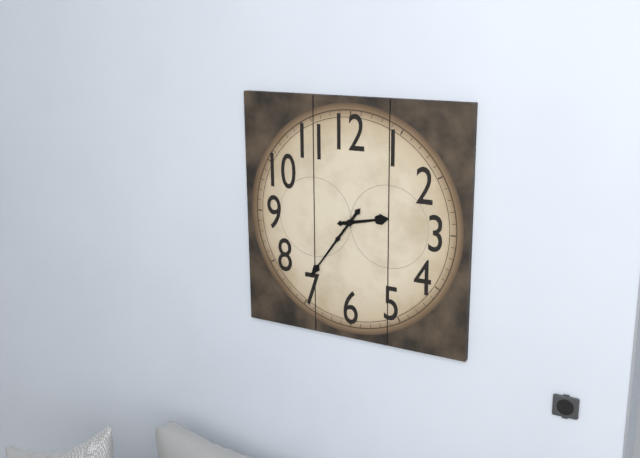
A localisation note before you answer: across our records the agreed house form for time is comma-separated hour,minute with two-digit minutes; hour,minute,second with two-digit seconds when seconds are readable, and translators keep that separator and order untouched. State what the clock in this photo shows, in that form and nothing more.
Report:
2,36
